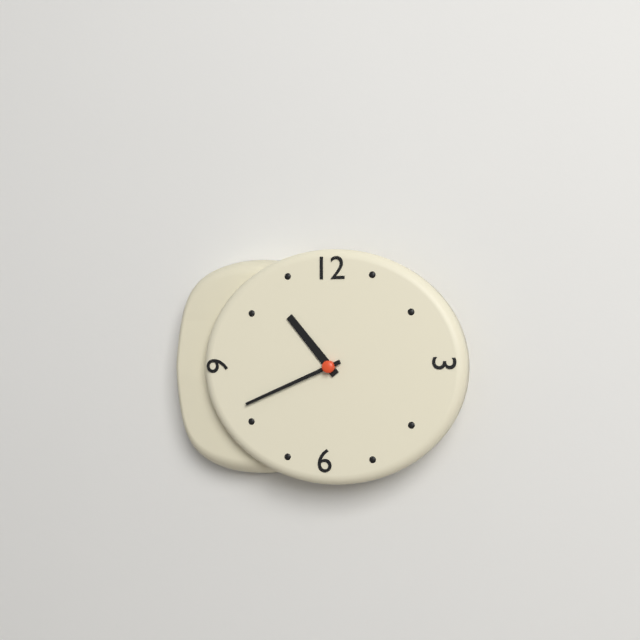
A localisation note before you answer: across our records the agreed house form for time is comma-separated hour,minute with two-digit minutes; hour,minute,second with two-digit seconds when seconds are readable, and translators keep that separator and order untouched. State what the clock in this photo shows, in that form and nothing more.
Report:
10,41
